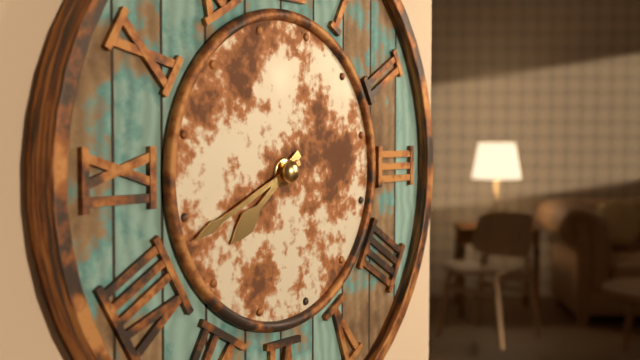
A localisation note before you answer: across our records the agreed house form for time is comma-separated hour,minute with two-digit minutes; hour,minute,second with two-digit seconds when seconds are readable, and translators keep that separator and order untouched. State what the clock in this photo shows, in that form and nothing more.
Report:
7,41
